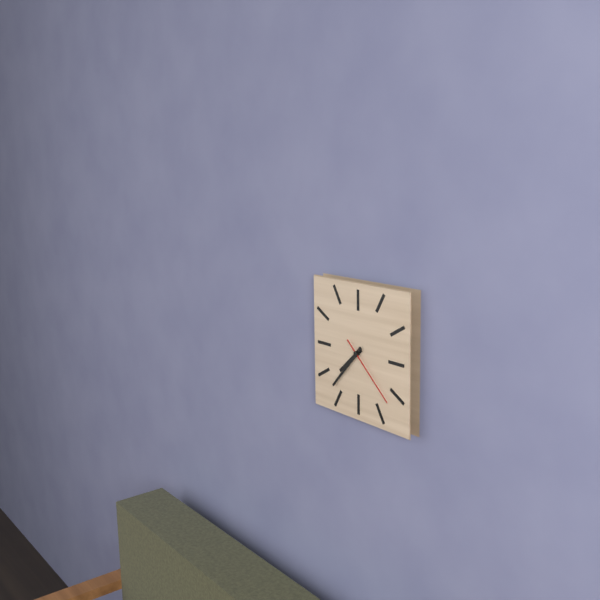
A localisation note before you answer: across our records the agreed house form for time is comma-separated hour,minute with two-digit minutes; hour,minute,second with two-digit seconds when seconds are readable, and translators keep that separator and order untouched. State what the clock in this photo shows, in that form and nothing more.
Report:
7,37,22
